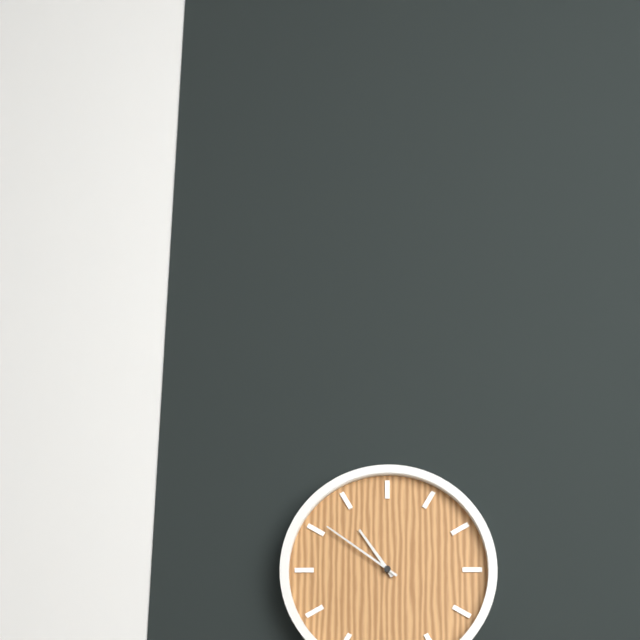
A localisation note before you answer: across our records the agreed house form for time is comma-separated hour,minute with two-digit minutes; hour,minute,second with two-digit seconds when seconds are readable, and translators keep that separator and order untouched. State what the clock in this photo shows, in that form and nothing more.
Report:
10,51
